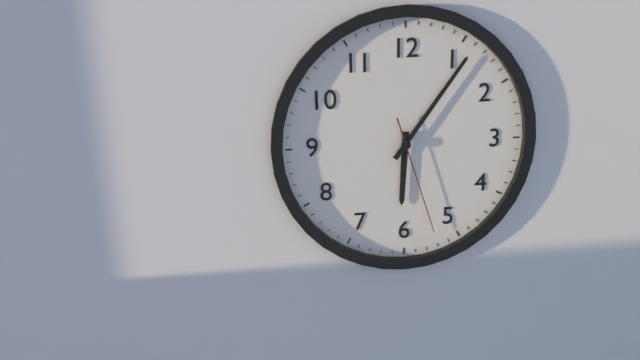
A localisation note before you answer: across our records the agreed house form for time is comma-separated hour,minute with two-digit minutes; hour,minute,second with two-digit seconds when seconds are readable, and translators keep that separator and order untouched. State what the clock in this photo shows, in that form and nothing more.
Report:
6,06,27
